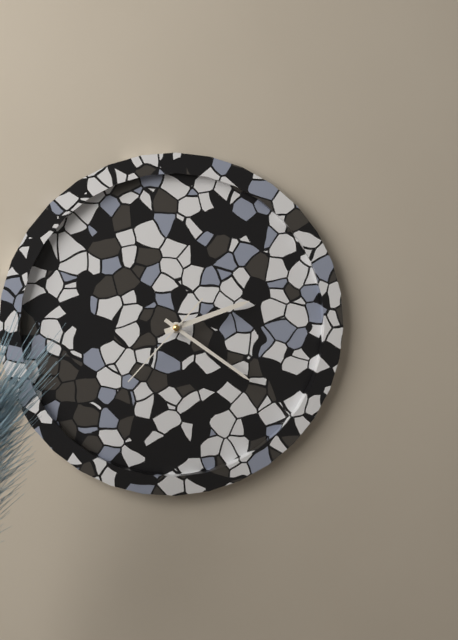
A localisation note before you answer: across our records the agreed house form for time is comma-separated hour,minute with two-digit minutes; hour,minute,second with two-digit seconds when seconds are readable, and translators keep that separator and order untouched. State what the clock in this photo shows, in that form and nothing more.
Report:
2,21,37
